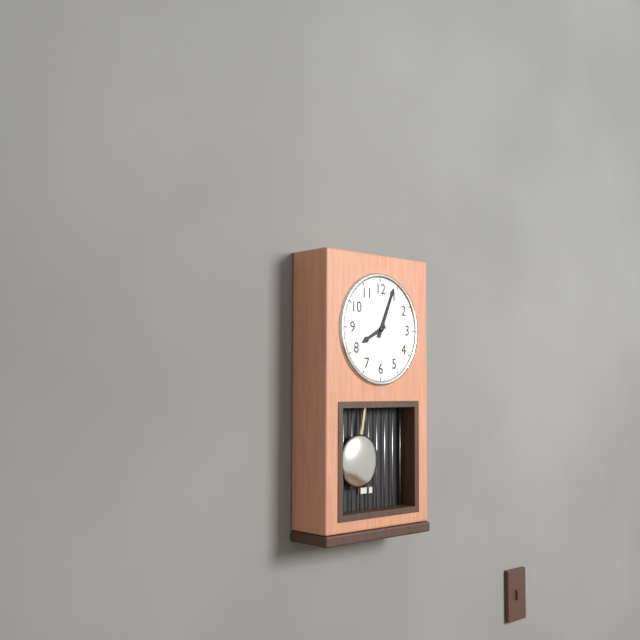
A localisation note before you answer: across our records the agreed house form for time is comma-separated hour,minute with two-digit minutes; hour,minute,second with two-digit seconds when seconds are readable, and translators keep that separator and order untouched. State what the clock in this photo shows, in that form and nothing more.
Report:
8,04
